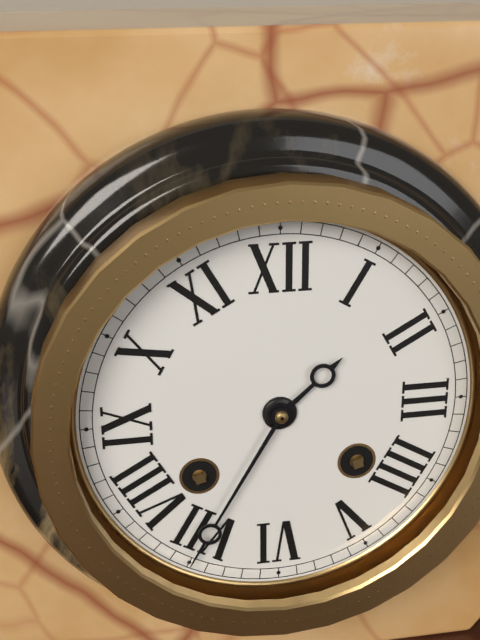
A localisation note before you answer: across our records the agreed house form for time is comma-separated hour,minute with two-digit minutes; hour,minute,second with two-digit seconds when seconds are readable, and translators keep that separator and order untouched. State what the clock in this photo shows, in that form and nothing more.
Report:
1,35
